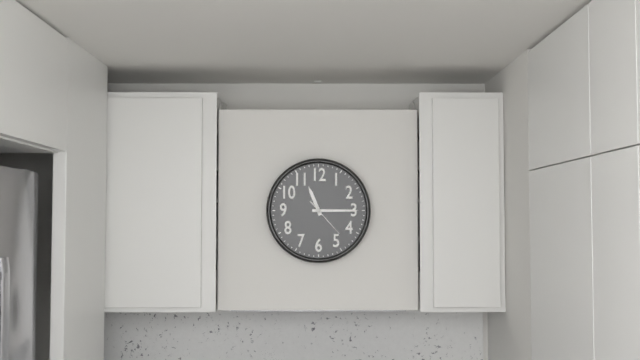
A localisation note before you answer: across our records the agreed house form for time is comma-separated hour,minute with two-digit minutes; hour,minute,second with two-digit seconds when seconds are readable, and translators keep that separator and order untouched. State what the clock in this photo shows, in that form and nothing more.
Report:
11,15
